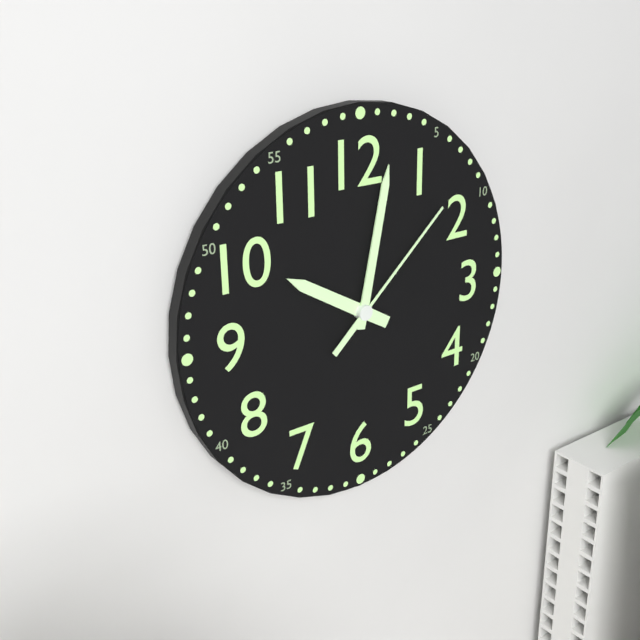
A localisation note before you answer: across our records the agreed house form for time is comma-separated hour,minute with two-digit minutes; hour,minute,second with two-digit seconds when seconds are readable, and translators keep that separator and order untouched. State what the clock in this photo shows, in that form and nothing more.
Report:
10,02,08
